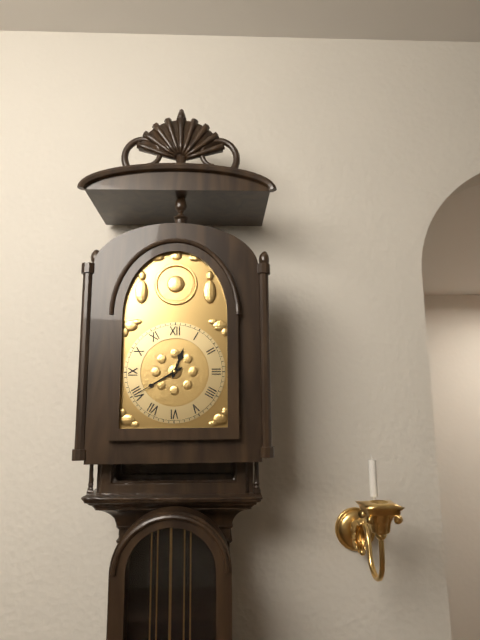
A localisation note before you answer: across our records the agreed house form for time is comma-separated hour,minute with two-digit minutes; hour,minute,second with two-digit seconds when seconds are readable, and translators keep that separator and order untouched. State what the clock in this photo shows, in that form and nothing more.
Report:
12,40
